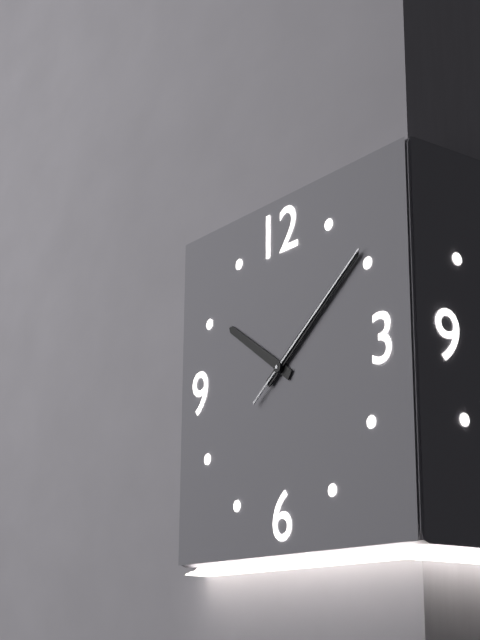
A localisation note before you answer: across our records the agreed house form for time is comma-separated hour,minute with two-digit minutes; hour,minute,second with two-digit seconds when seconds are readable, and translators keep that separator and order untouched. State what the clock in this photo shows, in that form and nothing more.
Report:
10,09,09
